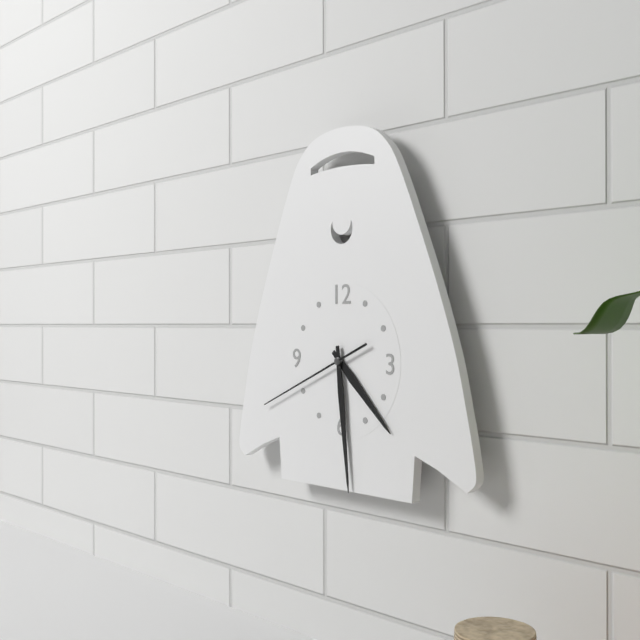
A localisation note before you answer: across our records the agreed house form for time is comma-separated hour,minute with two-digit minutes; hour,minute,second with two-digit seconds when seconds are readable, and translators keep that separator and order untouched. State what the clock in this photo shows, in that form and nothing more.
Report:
4,29,41
